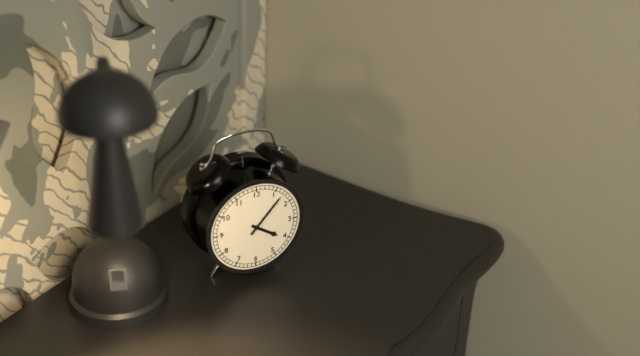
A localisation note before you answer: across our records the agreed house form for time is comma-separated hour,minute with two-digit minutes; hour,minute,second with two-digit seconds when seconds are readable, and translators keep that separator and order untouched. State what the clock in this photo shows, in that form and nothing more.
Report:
4,07
